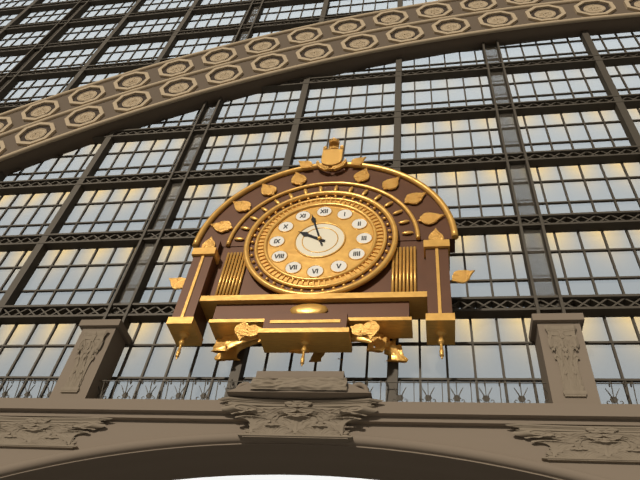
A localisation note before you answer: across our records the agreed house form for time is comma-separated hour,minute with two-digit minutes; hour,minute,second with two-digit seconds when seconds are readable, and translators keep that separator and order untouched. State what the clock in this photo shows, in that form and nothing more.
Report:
9,57
